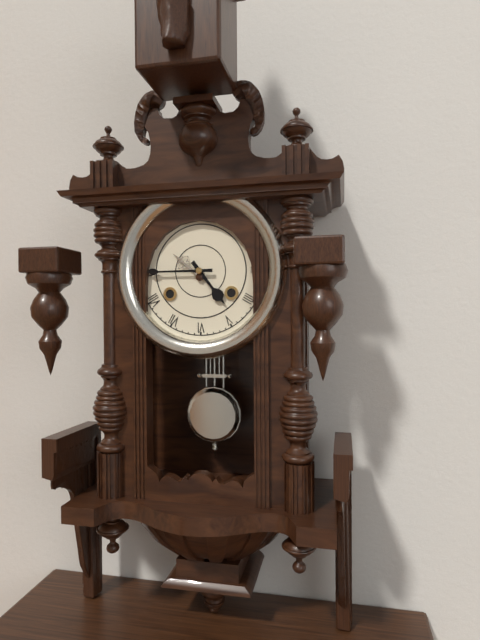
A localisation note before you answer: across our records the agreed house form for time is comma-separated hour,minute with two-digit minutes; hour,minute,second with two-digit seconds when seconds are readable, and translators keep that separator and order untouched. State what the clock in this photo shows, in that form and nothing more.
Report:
4,45
